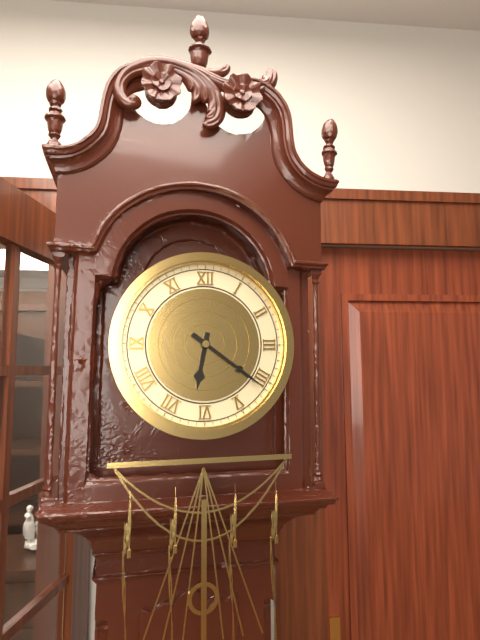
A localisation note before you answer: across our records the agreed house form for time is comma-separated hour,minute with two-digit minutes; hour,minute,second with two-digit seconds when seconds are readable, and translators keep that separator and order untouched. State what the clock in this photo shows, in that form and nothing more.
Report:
6,21
